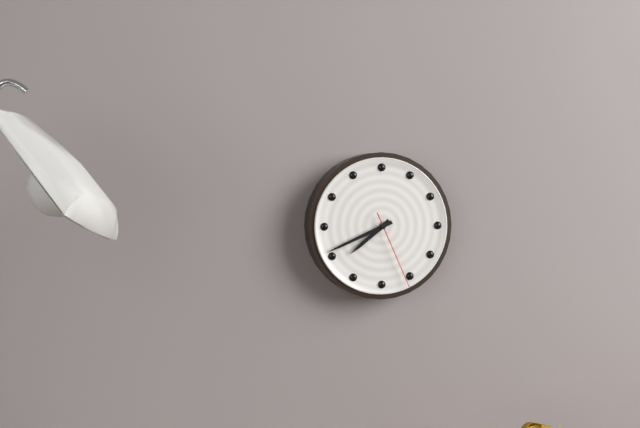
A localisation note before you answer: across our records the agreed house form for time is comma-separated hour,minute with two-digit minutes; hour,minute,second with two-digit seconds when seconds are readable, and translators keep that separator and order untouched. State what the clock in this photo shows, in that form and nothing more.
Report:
7,41,26
